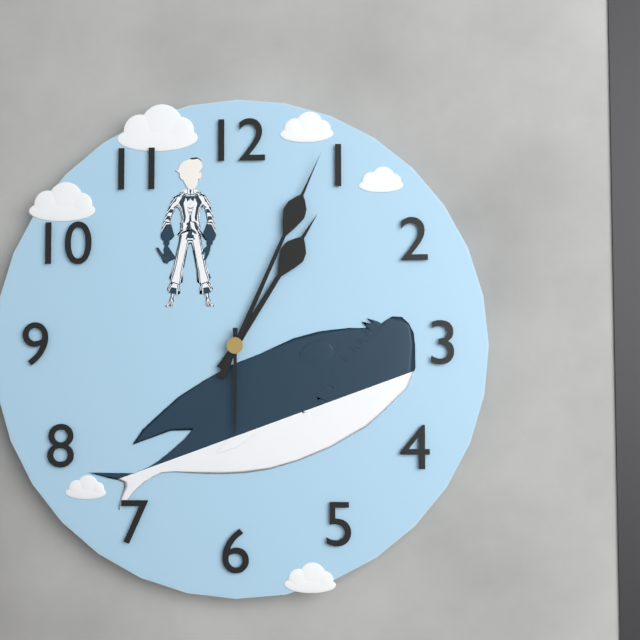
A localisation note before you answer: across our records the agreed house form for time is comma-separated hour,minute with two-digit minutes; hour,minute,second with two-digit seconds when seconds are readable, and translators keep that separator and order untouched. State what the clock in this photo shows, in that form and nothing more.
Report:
1,04,30
